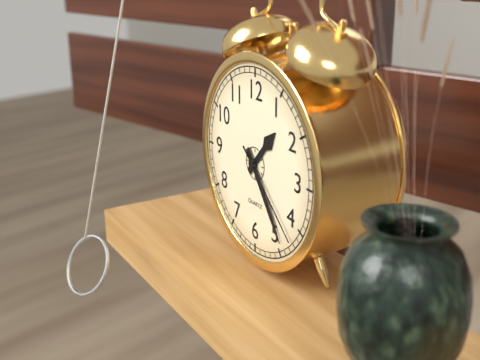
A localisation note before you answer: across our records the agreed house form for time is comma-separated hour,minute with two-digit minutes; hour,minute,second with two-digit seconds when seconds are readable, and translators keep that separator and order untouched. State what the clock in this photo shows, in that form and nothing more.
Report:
1,24,22
